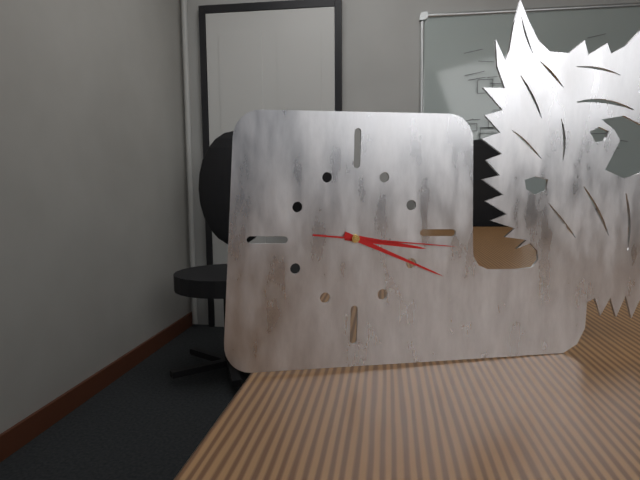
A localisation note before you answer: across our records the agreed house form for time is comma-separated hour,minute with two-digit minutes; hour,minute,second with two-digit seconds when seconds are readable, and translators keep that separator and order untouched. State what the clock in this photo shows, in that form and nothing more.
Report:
3,19,16
